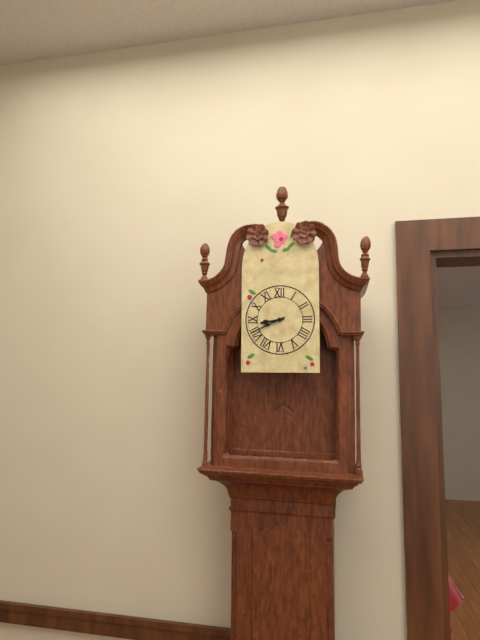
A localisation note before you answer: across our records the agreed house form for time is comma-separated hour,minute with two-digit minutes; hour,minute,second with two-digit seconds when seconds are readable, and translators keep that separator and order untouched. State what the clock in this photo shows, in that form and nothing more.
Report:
8,41
